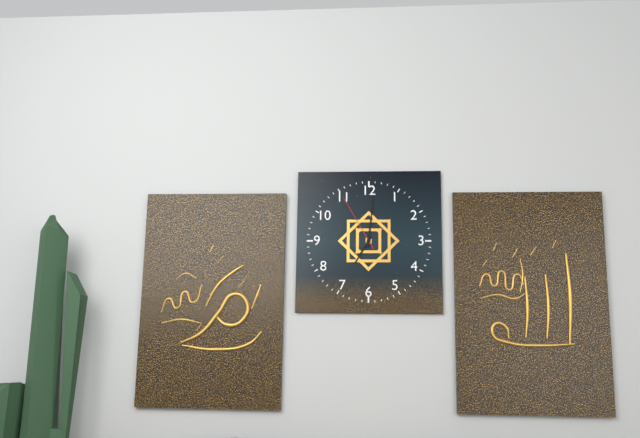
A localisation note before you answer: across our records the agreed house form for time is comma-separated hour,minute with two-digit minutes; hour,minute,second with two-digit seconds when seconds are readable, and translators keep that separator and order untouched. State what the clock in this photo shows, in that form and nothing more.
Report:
7,01,55
